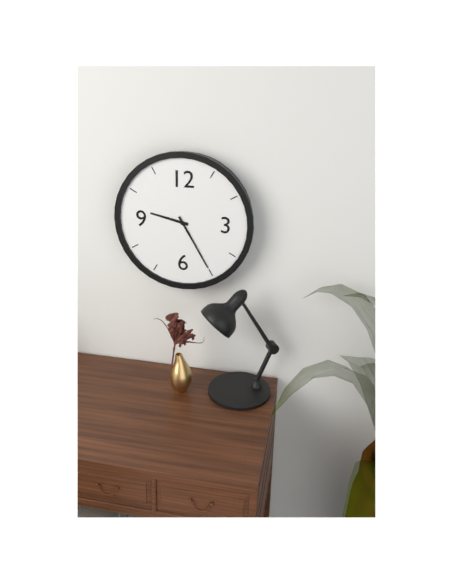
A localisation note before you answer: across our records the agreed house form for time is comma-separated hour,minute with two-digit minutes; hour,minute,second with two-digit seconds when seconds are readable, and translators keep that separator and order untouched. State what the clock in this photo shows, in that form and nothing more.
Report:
9,25
